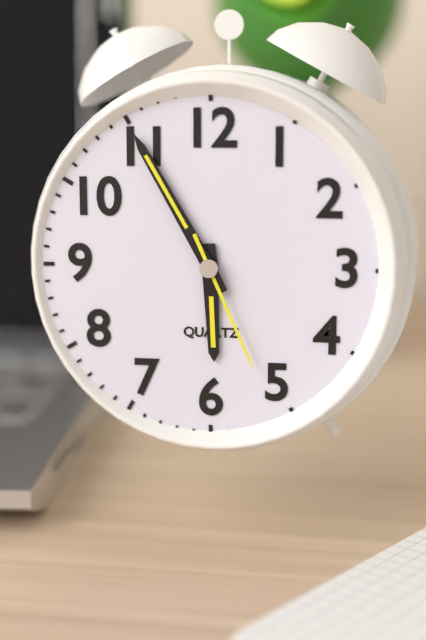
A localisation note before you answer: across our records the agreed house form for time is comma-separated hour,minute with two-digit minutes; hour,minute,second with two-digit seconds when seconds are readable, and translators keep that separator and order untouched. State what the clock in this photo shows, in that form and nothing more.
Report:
5,55,26
